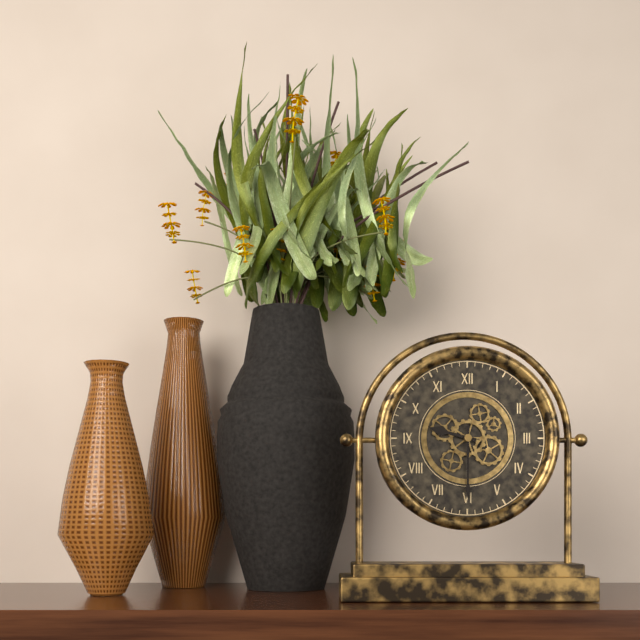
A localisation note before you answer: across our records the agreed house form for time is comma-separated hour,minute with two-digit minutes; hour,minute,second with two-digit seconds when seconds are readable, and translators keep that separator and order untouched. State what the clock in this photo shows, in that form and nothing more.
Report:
9,30
